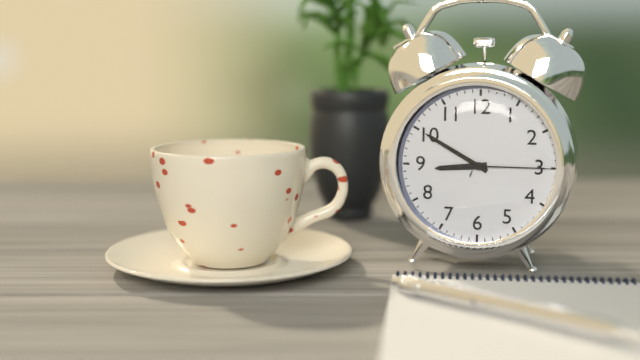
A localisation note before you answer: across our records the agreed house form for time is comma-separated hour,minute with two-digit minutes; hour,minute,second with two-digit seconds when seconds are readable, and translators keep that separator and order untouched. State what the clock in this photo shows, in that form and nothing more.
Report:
8,50,15
